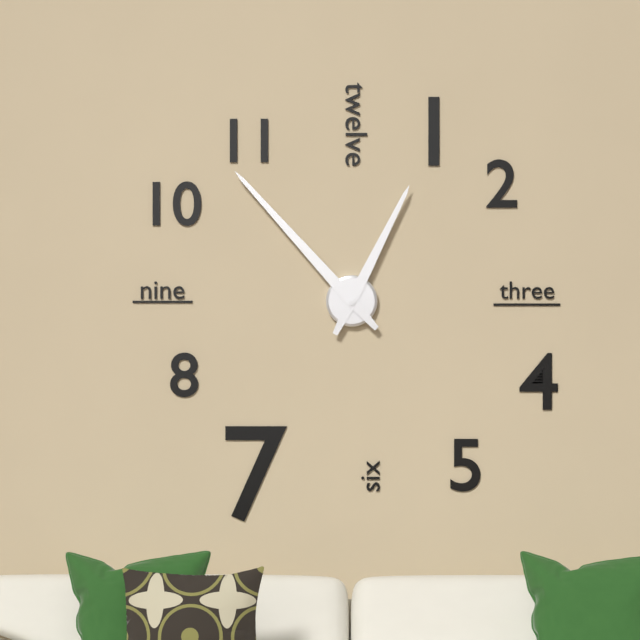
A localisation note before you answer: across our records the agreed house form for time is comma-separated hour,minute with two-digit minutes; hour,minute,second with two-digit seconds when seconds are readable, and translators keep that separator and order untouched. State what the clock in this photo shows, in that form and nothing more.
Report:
12,53
